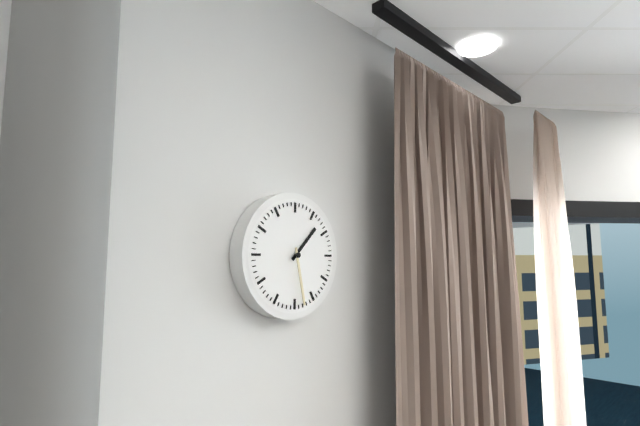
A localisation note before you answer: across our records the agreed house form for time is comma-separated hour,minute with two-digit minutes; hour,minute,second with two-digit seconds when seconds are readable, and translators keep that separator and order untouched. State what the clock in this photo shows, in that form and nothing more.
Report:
1,28
